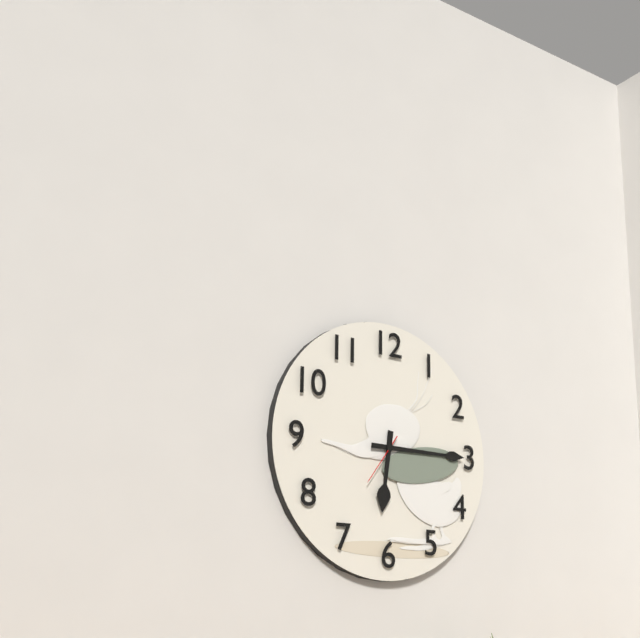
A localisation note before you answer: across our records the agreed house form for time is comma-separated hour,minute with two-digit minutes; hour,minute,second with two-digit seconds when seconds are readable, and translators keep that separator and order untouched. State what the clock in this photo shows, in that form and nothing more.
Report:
6,15,36
